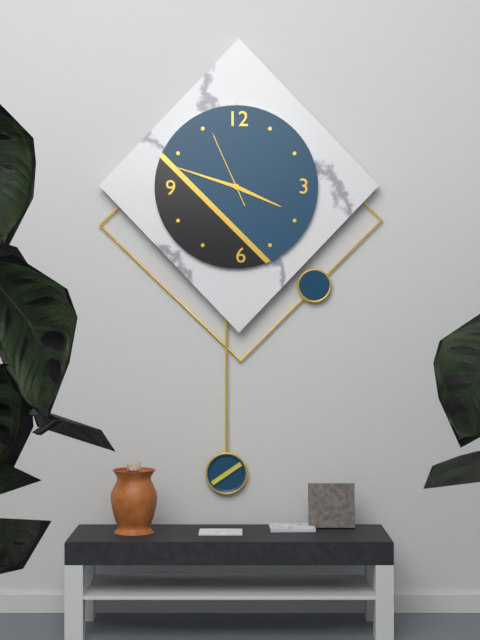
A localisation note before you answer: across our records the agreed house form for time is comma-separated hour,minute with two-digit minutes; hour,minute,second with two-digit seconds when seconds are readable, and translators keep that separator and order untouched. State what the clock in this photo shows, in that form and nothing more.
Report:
3,48,56
